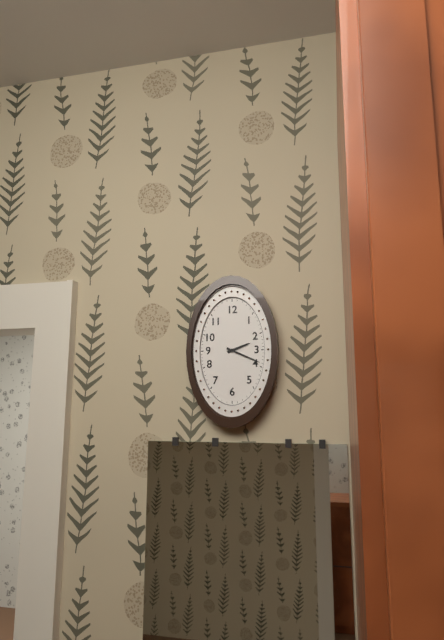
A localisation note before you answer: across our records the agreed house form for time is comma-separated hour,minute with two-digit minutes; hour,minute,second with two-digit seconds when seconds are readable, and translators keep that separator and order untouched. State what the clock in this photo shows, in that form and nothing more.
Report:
2,19
